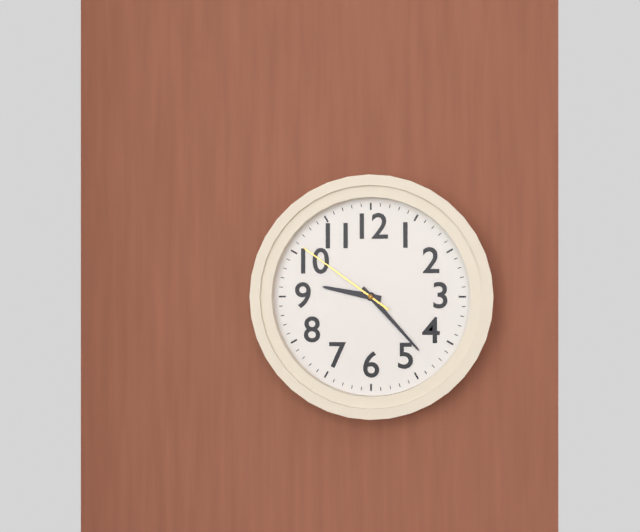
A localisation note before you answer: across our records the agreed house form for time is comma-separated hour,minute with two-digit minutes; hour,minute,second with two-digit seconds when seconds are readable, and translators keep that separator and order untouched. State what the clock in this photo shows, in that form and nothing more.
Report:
9,23,51
